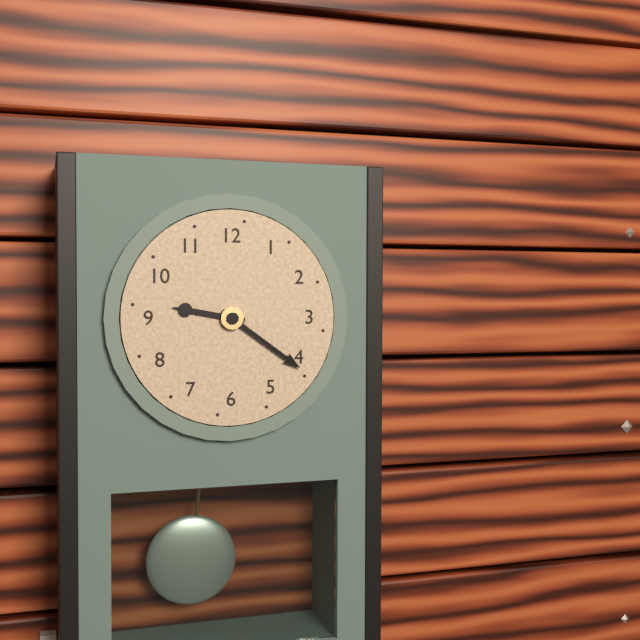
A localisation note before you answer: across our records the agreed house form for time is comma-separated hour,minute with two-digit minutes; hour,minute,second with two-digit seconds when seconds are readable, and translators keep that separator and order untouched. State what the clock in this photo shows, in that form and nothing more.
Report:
9,21
